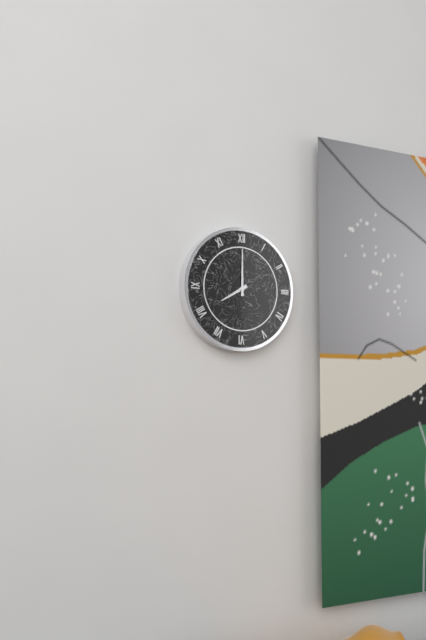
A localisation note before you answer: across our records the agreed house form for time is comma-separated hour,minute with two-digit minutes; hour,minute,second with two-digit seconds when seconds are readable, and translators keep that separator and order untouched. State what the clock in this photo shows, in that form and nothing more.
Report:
8,00
